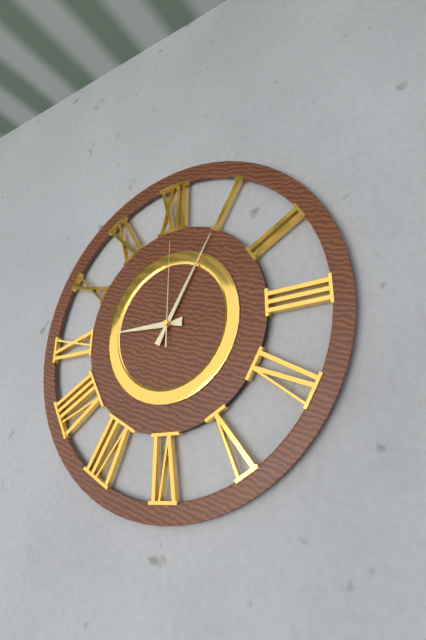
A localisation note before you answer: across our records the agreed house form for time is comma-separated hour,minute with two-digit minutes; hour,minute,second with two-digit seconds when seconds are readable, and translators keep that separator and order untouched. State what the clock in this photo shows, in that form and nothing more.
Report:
9,05,00
